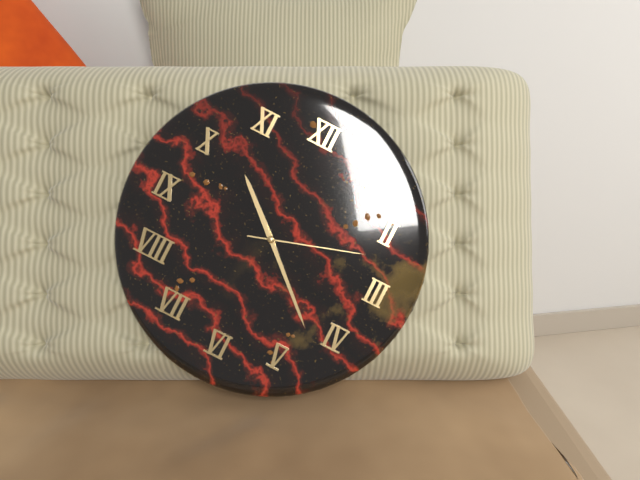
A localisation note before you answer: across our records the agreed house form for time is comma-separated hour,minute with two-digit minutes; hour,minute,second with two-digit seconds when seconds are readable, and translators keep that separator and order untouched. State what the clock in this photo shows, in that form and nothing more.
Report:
10,22,12
